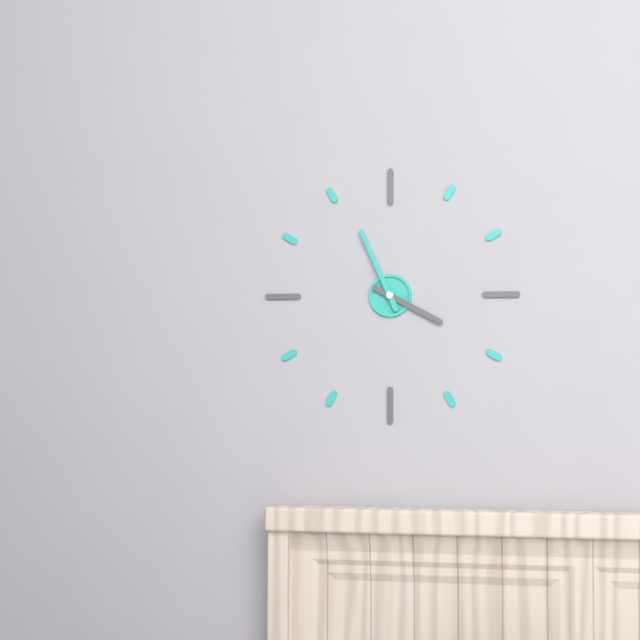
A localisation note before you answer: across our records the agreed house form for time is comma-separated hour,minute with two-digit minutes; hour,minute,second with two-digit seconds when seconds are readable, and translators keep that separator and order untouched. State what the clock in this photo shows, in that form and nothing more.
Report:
3,56
